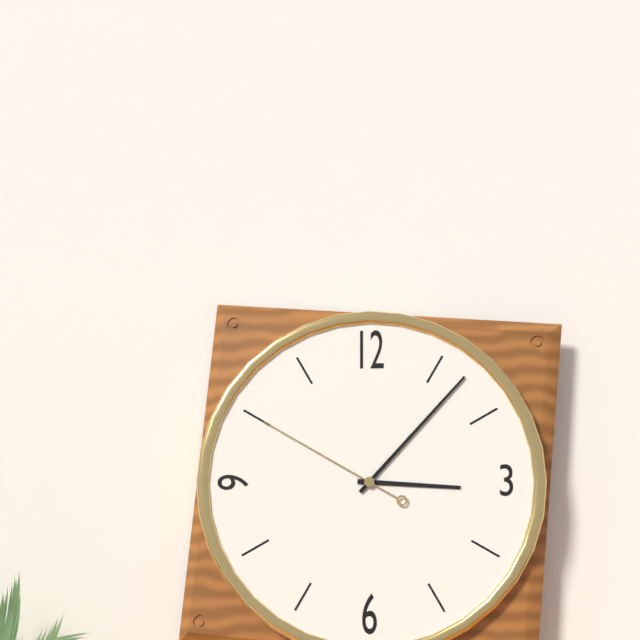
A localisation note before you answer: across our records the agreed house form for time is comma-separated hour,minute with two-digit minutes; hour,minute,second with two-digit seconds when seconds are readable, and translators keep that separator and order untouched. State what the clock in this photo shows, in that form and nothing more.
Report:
3,07,50
